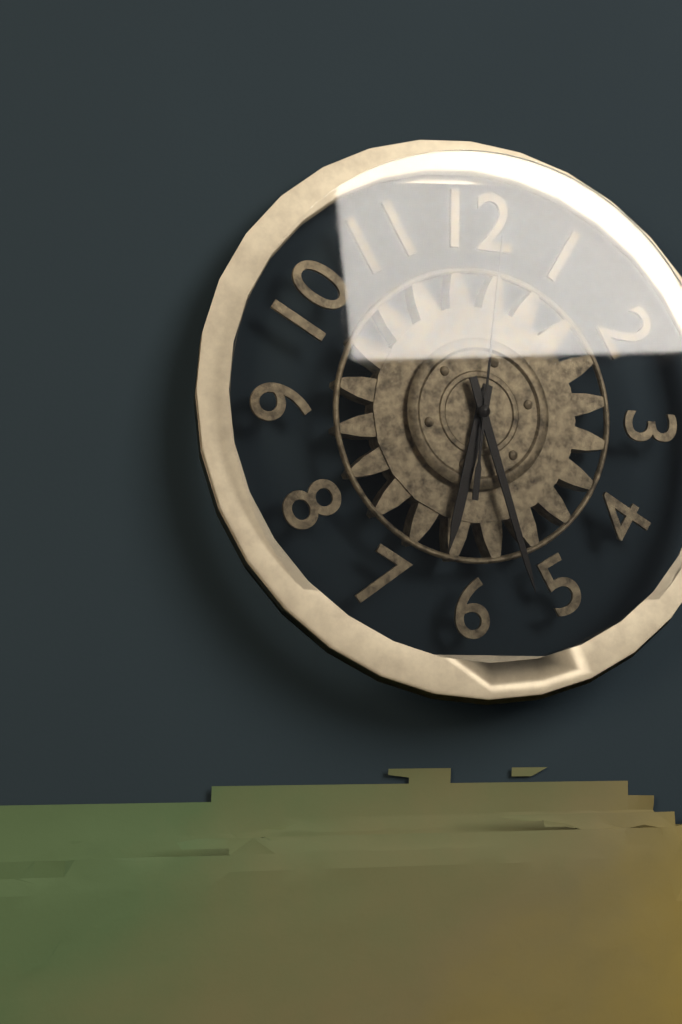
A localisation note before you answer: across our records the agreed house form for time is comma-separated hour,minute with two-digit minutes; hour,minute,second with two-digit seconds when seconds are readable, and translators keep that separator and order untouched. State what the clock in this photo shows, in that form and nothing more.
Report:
6,27,01
